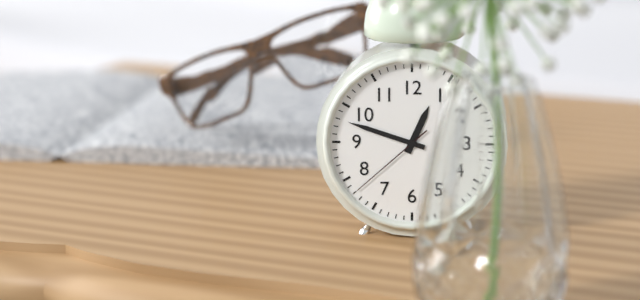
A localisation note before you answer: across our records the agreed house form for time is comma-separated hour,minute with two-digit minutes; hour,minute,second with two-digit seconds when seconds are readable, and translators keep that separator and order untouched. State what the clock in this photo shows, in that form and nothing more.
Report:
12,48,38
